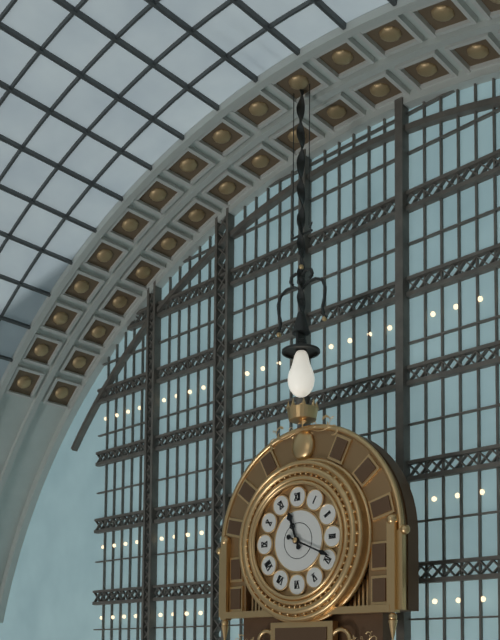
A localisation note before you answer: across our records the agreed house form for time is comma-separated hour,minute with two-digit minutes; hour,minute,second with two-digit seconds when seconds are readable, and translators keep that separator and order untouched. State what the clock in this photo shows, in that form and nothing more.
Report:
11,19
